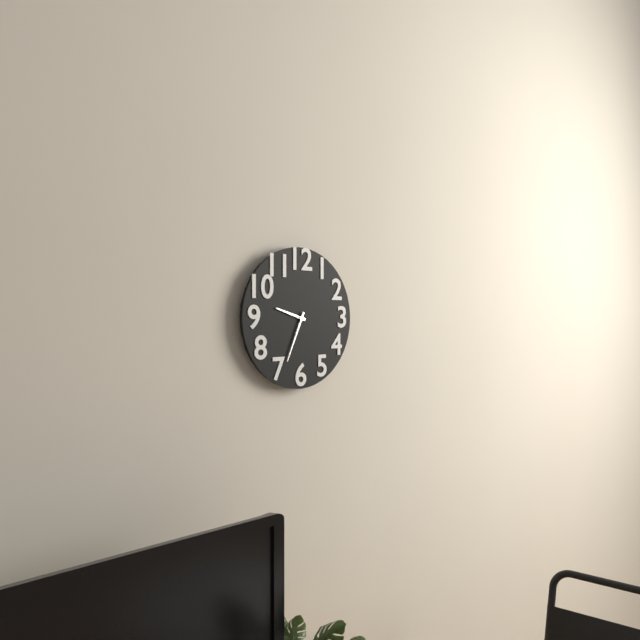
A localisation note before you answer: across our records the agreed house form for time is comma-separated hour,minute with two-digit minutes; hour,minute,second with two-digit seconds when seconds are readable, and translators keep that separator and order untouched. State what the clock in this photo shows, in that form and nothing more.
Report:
9,34
